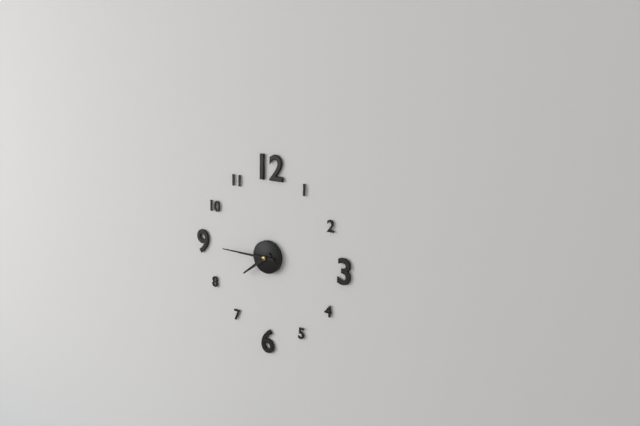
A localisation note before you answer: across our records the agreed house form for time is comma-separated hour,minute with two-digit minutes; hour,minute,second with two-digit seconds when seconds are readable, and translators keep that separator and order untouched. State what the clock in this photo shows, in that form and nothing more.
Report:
7,45
